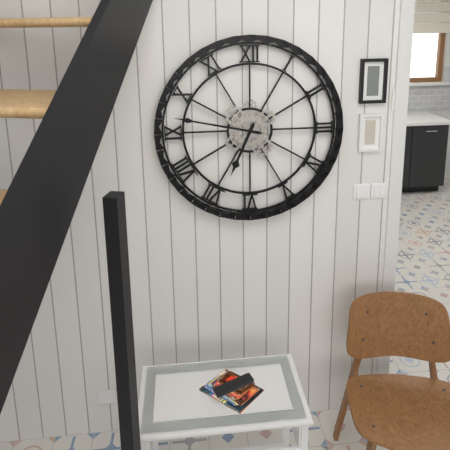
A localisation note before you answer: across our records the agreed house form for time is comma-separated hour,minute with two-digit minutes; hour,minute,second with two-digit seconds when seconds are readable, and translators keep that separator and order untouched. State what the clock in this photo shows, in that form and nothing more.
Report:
6,47
